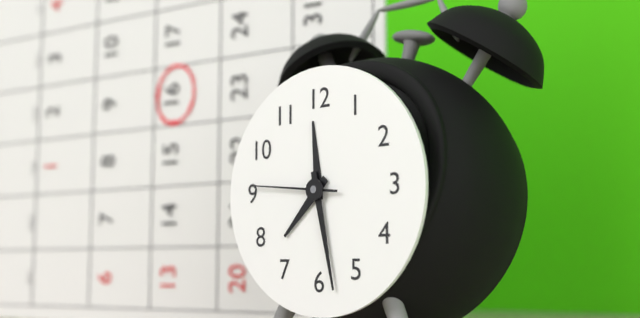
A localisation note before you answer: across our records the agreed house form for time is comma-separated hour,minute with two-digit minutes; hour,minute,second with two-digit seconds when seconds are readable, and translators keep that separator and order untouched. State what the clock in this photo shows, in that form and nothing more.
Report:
7,28,46
